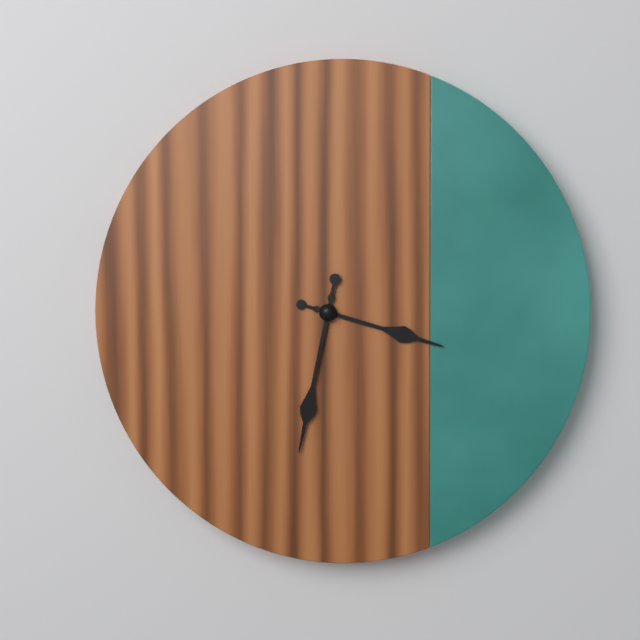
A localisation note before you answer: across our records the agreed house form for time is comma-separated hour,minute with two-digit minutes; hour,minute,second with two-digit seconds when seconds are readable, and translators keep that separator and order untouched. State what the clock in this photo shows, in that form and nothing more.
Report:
3,32
